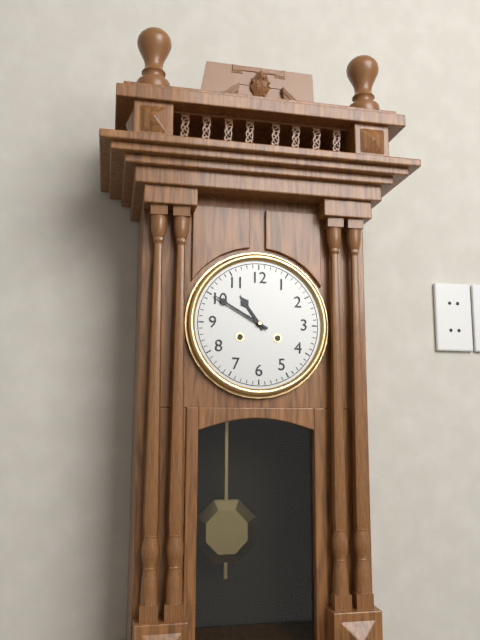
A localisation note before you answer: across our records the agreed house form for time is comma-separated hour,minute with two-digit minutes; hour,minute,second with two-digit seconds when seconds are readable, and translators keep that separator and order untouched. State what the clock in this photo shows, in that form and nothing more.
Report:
10,50
